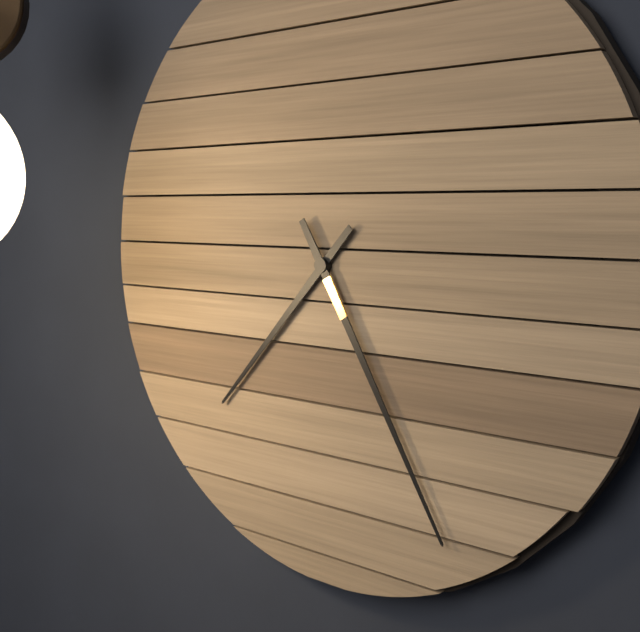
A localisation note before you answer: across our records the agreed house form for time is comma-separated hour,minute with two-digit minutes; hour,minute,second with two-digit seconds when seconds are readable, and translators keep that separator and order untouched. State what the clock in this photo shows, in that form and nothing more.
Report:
7,25
